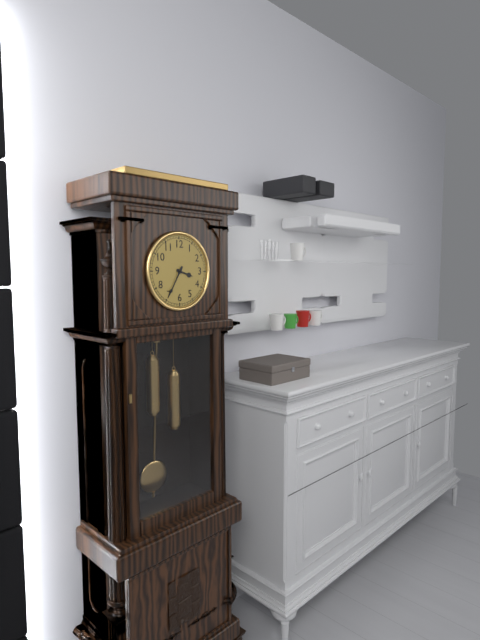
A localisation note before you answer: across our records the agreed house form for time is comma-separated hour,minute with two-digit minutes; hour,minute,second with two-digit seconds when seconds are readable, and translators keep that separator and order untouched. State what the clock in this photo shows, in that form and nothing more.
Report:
3,35
